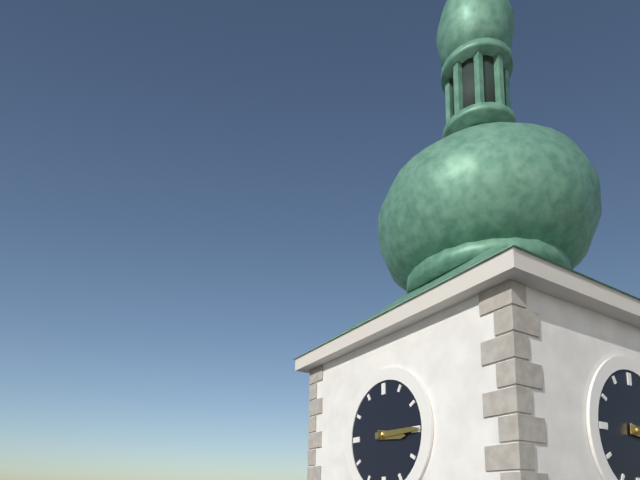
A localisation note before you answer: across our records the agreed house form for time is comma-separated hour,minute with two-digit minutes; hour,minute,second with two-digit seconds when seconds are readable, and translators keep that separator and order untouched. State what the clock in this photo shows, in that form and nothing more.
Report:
3,15
